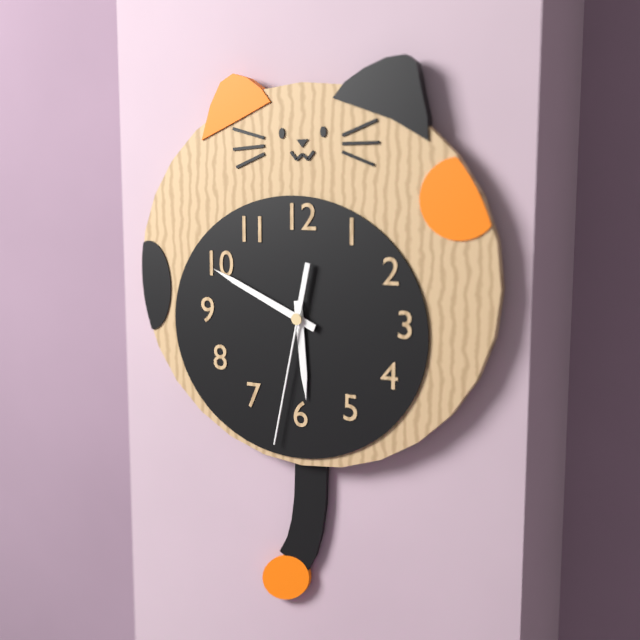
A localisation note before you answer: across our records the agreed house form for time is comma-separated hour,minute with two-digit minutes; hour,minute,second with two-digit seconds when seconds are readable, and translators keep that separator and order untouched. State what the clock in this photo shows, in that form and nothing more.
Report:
5,49,32
